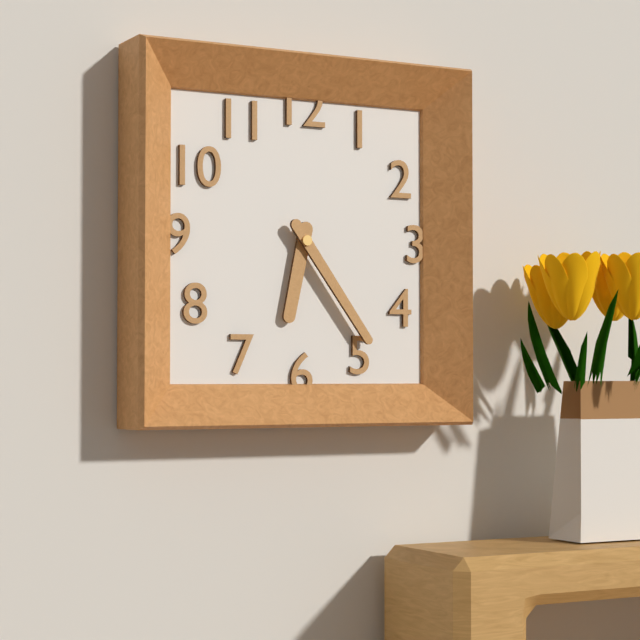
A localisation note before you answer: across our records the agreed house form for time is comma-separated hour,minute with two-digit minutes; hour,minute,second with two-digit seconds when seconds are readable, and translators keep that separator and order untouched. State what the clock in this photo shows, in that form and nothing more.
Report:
6,24
